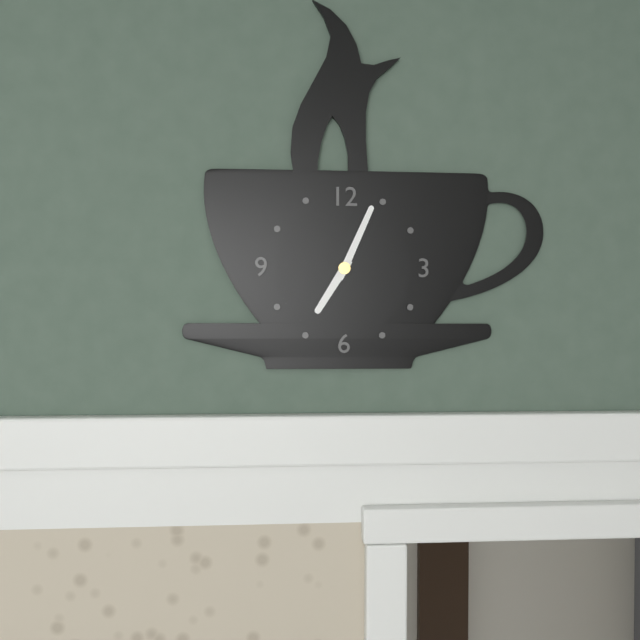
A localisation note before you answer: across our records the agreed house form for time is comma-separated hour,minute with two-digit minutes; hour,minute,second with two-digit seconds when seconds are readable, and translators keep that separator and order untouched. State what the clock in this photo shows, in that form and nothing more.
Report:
7,04
